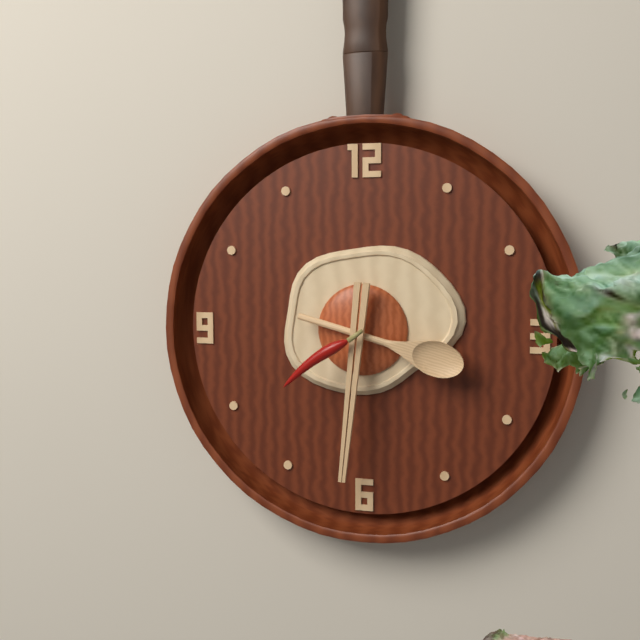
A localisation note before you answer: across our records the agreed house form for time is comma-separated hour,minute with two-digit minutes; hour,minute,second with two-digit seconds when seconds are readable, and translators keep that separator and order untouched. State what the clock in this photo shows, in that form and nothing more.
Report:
3,31,39
